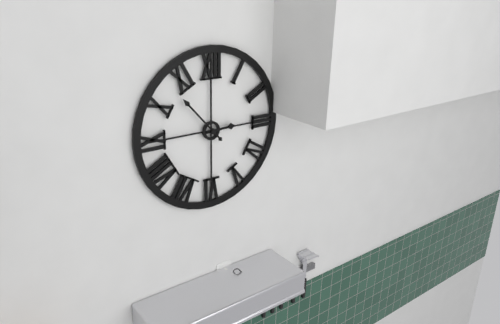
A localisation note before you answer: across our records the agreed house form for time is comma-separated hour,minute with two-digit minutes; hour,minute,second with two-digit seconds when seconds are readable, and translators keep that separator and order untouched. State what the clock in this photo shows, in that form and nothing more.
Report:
2,53
